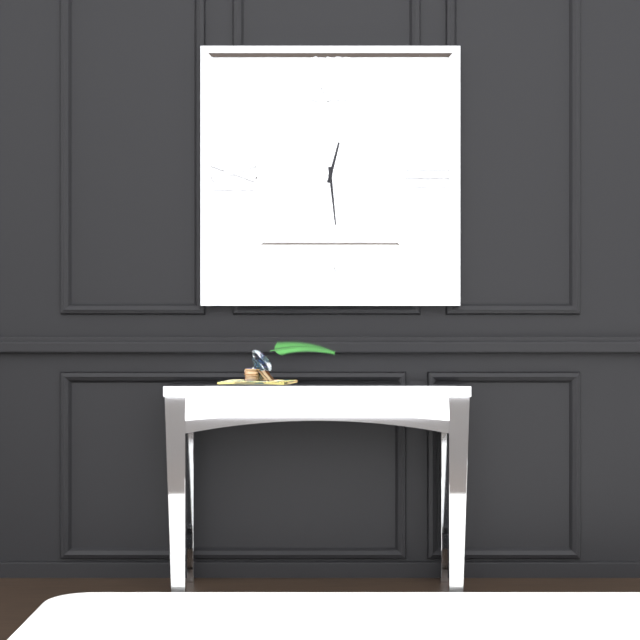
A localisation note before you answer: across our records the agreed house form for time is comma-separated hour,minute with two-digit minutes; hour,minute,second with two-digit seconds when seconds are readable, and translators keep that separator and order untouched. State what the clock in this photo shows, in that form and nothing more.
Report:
12,29
